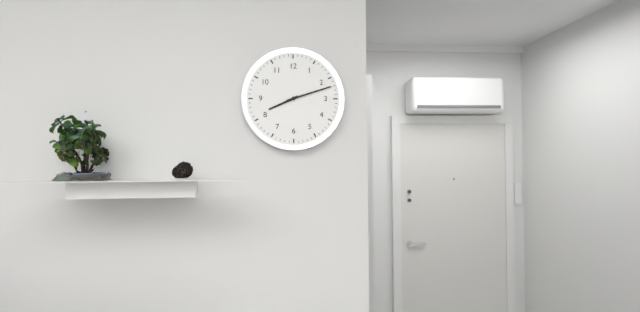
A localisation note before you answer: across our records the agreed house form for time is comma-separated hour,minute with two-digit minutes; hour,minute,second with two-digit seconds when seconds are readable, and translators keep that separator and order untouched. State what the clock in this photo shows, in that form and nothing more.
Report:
8,12
